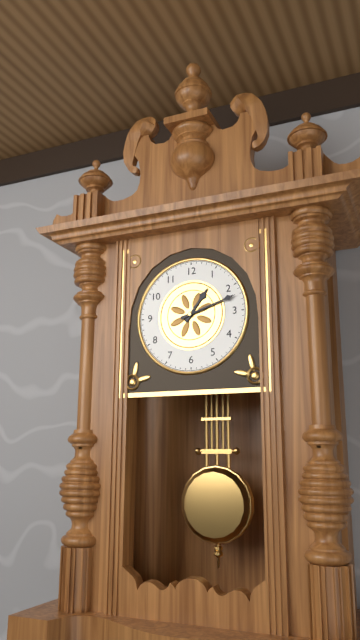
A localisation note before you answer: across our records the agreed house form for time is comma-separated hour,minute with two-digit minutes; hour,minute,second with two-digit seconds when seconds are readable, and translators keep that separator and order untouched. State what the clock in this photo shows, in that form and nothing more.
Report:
1,12
